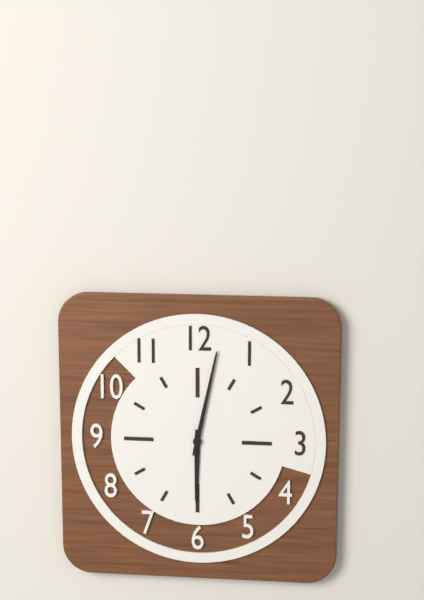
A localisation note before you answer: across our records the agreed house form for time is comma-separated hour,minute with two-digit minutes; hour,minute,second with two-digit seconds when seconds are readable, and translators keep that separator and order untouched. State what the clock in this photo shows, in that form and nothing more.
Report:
6,02
